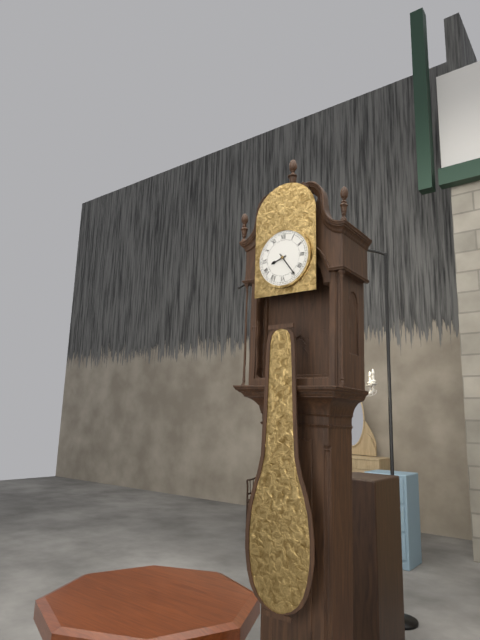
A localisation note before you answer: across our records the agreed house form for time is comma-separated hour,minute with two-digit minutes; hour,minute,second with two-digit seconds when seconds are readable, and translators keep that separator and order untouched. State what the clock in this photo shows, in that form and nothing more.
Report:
8,24
